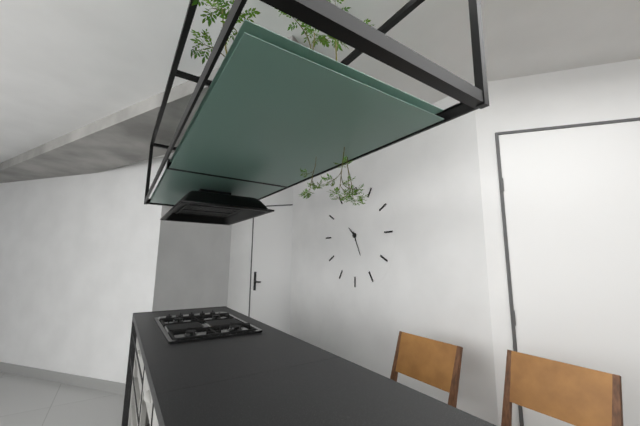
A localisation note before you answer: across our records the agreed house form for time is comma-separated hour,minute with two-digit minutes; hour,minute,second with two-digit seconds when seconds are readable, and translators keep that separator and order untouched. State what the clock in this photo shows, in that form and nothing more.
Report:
10,26
